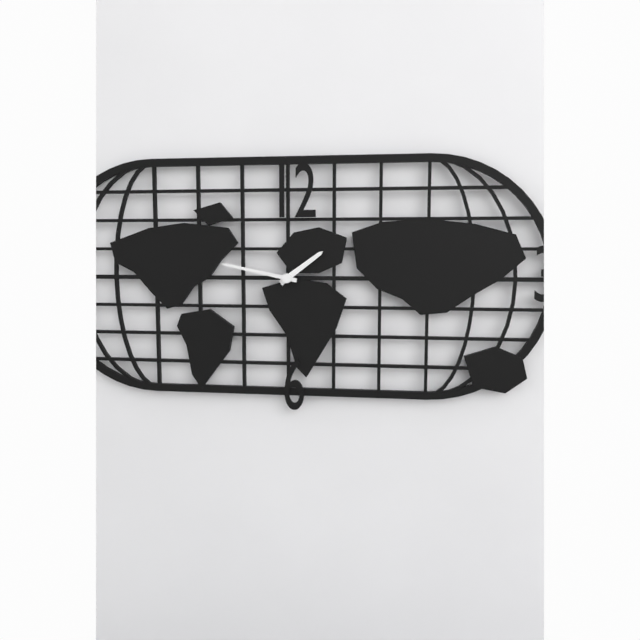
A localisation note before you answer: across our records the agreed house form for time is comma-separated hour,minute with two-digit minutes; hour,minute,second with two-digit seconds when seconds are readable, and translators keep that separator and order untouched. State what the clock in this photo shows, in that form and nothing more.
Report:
1,47
